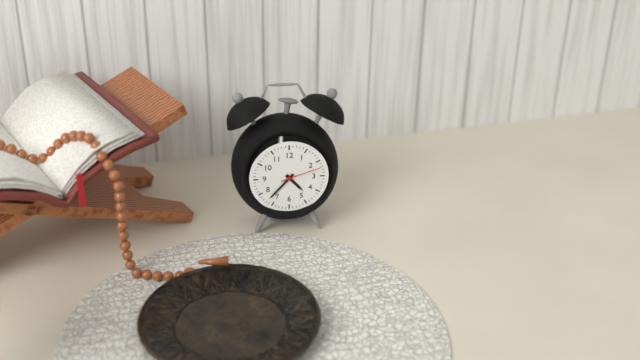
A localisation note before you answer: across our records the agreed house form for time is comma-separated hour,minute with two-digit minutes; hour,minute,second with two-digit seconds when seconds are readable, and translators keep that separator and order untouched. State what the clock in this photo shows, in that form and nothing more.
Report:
4,37
